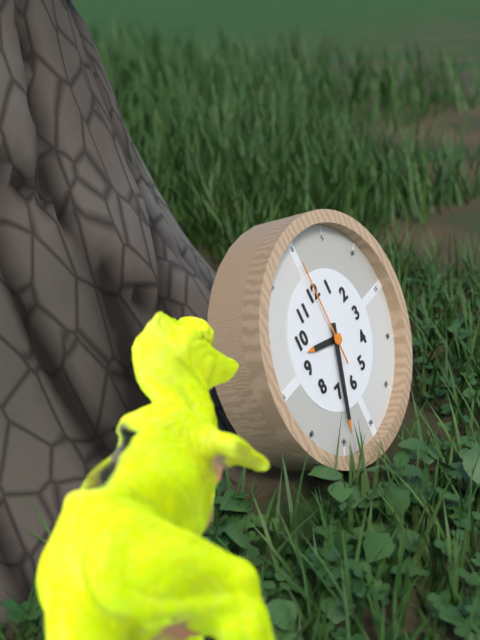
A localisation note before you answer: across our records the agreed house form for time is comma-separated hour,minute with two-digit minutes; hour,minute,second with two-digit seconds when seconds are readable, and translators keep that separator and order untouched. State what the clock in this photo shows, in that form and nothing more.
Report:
9,34,00
